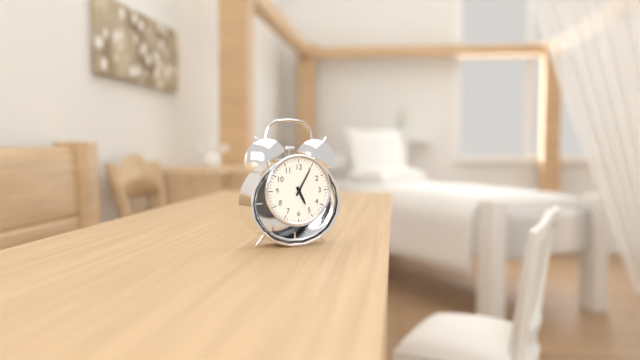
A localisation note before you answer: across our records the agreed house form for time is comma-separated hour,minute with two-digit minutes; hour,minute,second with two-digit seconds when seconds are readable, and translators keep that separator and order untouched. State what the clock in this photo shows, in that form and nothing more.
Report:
5,05
